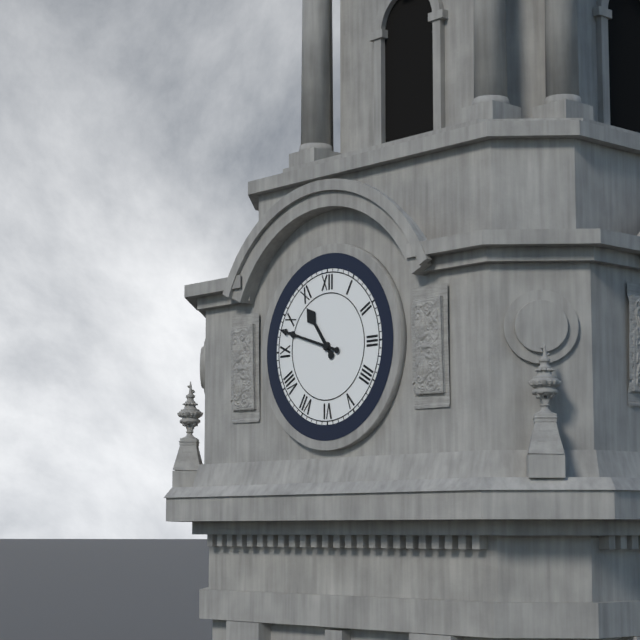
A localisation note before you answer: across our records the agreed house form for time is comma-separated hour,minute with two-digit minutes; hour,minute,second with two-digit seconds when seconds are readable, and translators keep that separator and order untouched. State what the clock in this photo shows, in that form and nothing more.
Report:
10,48
